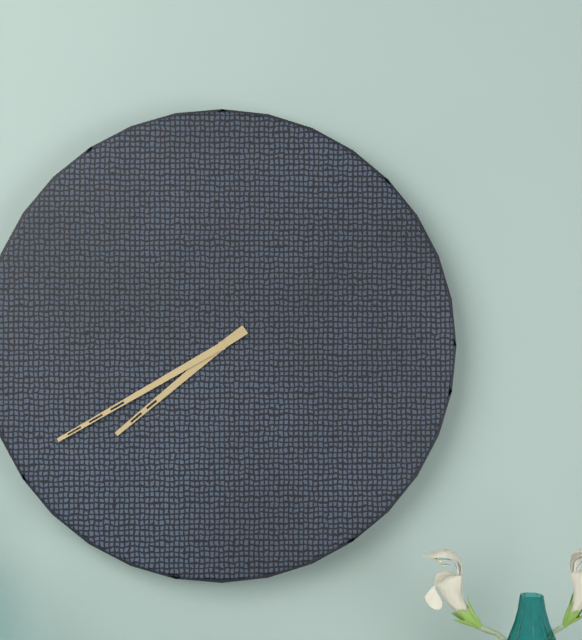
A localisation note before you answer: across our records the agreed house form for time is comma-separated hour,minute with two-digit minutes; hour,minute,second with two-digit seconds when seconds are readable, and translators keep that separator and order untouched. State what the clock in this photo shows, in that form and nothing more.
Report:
7,40
